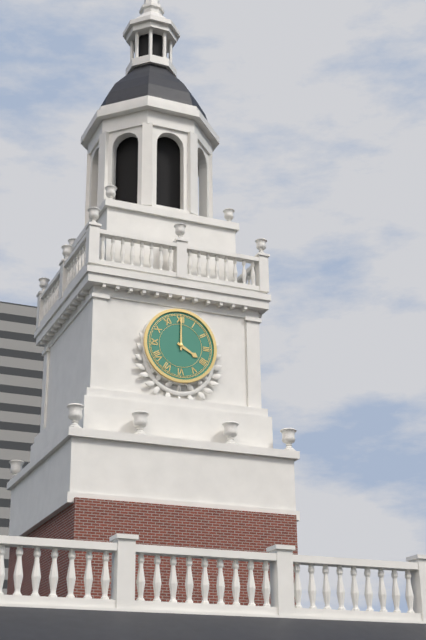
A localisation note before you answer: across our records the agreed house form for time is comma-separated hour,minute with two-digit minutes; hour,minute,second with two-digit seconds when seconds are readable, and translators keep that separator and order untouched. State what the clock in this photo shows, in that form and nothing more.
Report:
4,00
